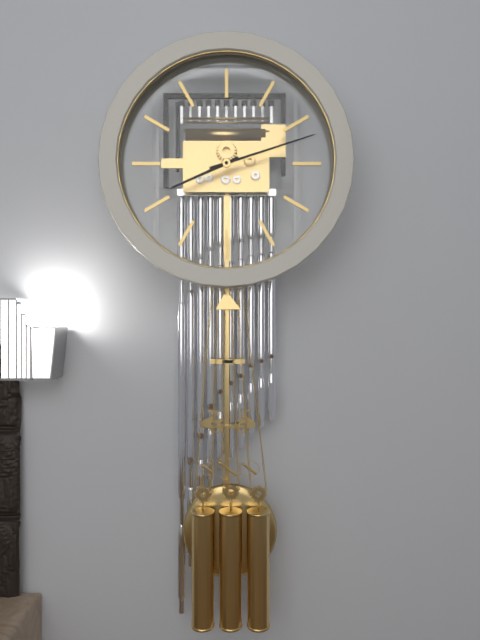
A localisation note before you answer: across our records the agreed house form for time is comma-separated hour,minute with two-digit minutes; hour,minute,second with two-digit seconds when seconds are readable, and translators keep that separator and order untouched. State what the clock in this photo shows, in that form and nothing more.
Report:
8,12
